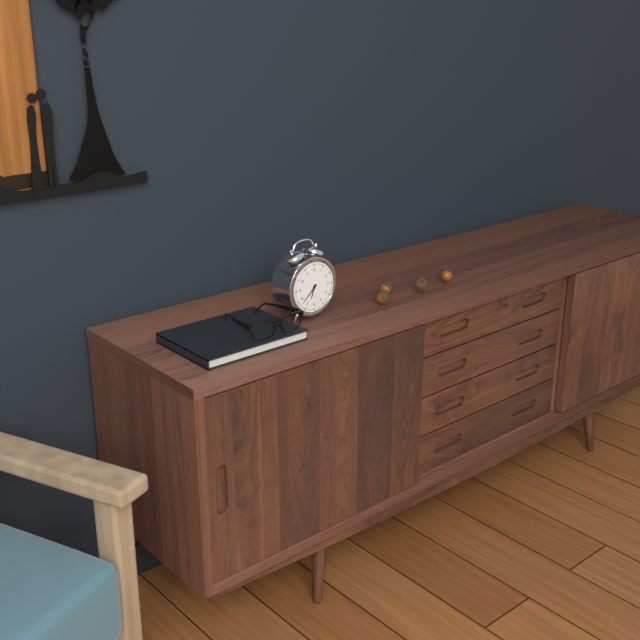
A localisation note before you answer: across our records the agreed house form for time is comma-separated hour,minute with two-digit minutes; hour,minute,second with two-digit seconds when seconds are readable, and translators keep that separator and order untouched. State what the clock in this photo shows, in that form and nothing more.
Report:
6,38
